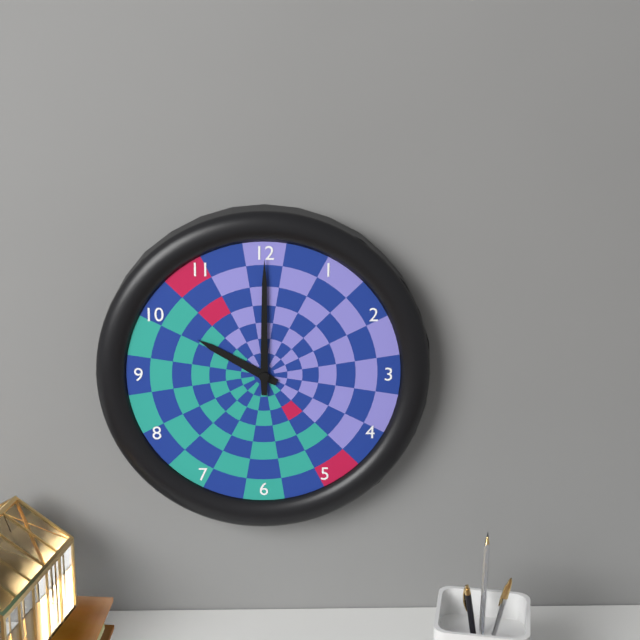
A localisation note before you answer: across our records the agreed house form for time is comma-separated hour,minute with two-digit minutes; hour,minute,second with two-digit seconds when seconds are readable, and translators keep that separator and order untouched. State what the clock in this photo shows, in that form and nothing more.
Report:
10,00
